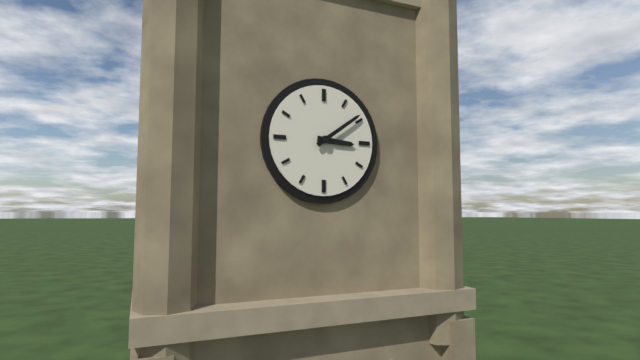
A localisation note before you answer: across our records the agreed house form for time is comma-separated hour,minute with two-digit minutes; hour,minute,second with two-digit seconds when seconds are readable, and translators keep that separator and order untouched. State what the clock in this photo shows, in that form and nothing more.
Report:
3,09
